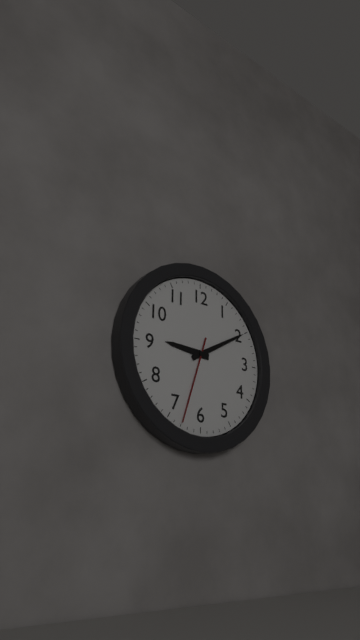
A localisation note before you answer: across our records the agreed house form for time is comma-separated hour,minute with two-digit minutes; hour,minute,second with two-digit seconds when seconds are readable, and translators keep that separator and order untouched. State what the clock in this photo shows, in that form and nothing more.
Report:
9,10,33
